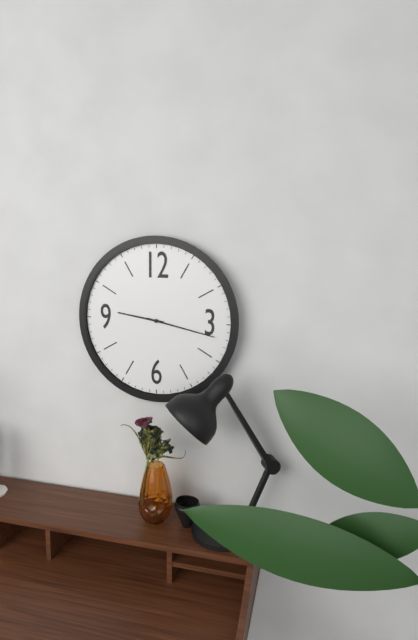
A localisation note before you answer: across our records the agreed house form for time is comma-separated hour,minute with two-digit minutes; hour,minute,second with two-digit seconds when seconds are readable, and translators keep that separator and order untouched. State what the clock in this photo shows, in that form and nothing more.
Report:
9,17
